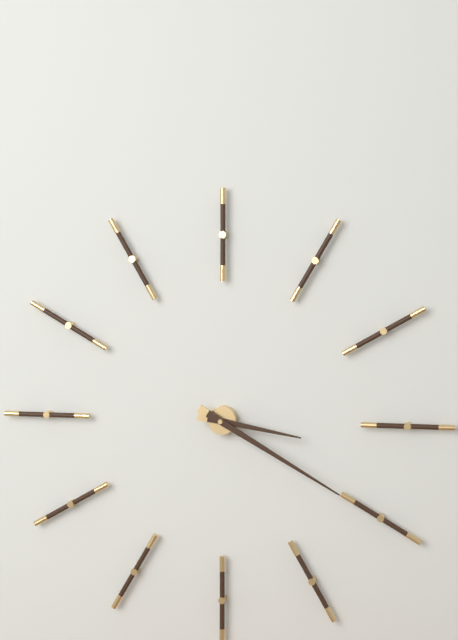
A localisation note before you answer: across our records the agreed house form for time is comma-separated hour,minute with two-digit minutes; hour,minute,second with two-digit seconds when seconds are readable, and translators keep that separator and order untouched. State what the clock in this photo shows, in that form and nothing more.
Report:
3,20
